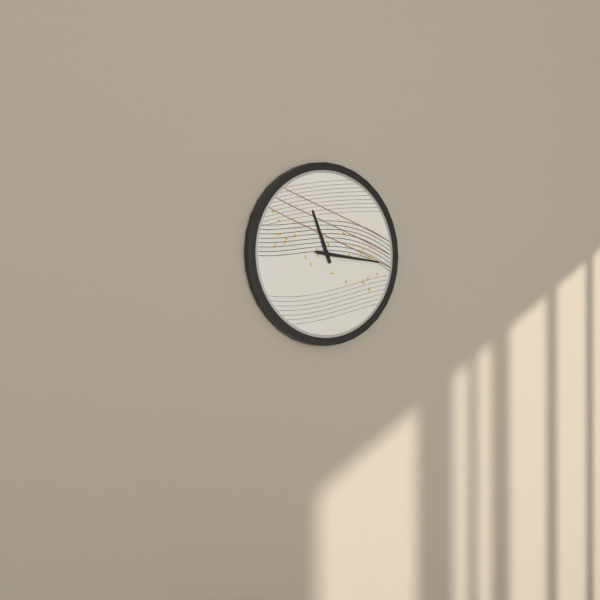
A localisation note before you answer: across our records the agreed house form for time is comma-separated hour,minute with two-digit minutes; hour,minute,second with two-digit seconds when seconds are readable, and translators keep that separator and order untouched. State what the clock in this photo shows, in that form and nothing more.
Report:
11,16
